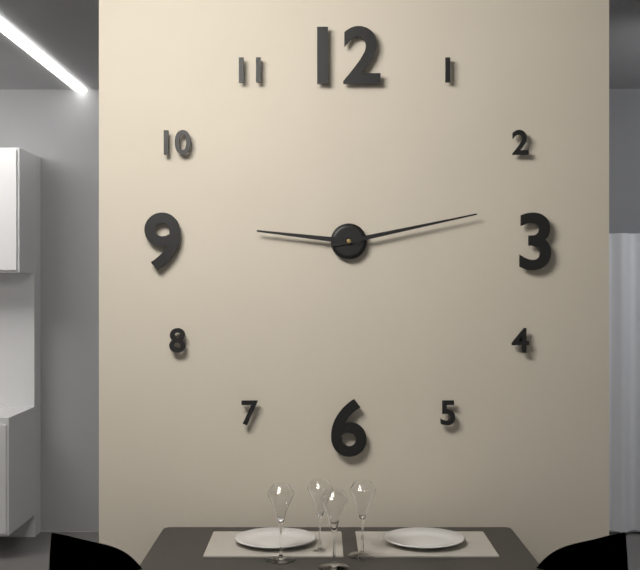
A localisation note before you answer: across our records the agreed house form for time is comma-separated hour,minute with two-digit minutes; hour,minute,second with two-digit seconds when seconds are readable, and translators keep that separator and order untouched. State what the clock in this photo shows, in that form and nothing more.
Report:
9,13
